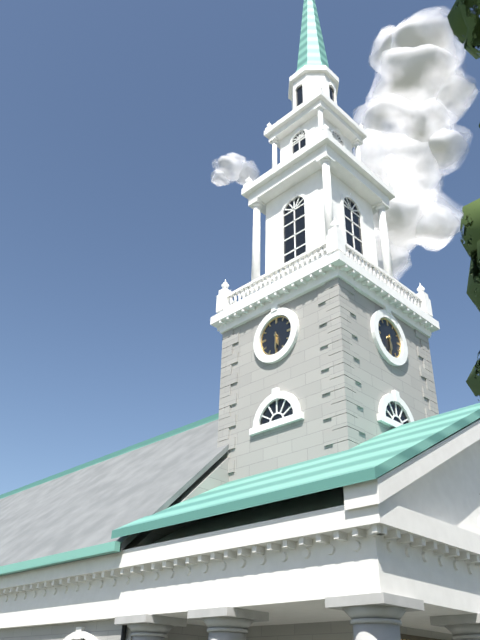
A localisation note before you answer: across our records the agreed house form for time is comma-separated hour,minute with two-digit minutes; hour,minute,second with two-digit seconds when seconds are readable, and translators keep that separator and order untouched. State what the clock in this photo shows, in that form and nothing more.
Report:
5,30
